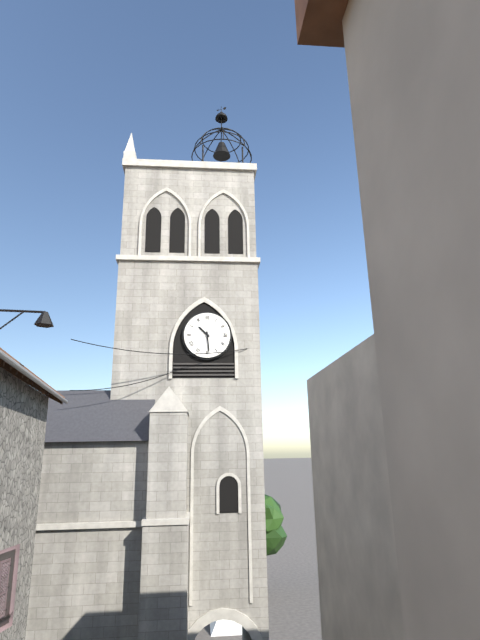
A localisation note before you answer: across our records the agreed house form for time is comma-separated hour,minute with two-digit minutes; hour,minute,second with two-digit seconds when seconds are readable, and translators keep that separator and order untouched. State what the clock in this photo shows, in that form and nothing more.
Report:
10,29
